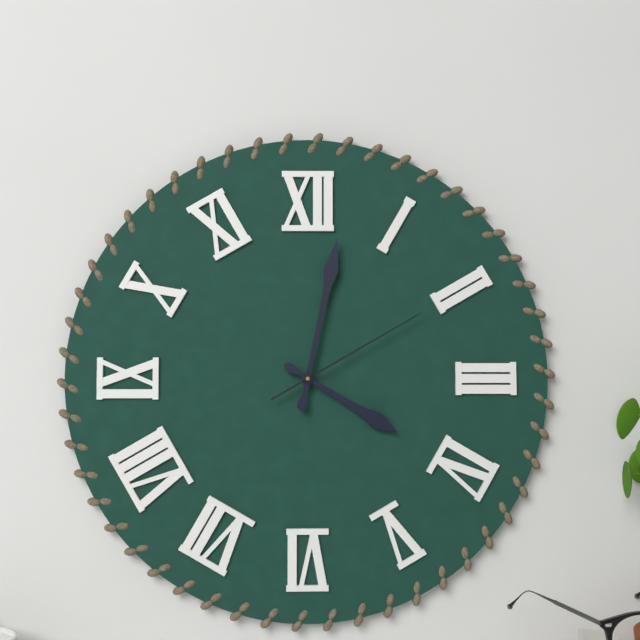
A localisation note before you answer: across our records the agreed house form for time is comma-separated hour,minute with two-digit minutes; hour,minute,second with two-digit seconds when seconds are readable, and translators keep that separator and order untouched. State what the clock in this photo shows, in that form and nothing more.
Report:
4,02,10
